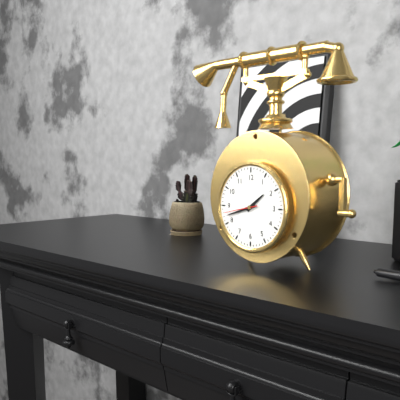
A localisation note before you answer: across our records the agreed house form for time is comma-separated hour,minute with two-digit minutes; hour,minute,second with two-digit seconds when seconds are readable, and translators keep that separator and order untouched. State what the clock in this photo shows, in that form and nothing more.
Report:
1,42
